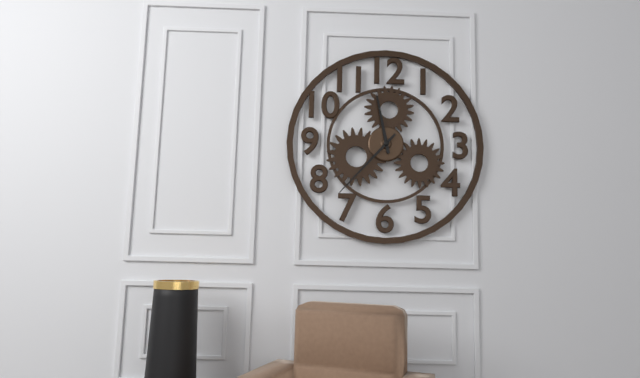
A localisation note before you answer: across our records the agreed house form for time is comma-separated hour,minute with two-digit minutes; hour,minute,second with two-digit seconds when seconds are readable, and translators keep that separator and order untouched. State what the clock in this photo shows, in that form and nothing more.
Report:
11,37
